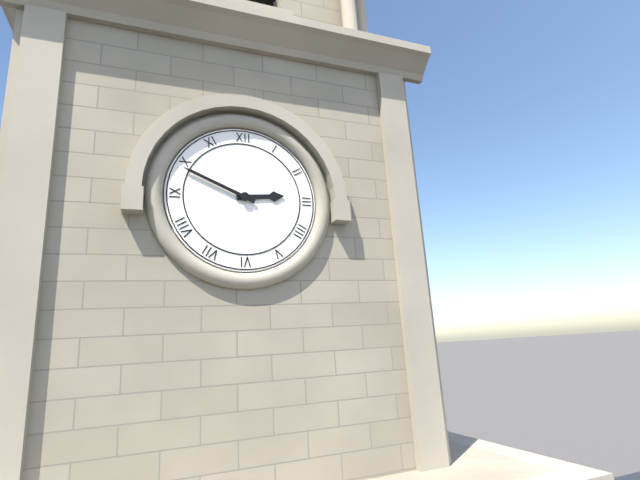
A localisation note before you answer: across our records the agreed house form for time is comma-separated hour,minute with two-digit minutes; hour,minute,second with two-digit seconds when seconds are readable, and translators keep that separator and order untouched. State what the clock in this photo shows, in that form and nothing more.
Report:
2,49
